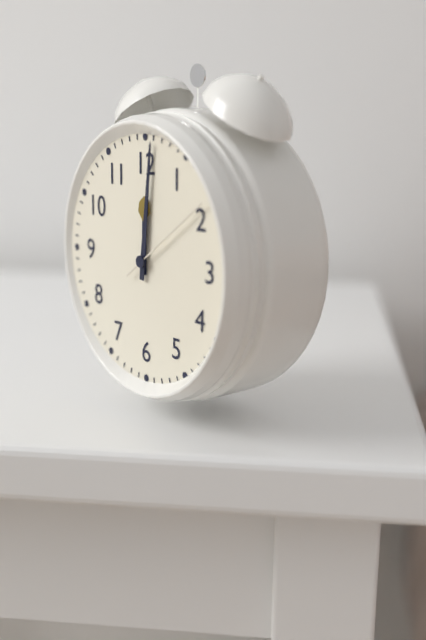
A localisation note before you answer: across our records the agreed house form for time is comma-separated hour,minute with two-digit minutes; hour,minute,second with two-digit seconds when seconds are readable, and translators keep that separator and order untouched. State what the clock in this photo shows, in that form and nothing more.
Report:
12,01,09
